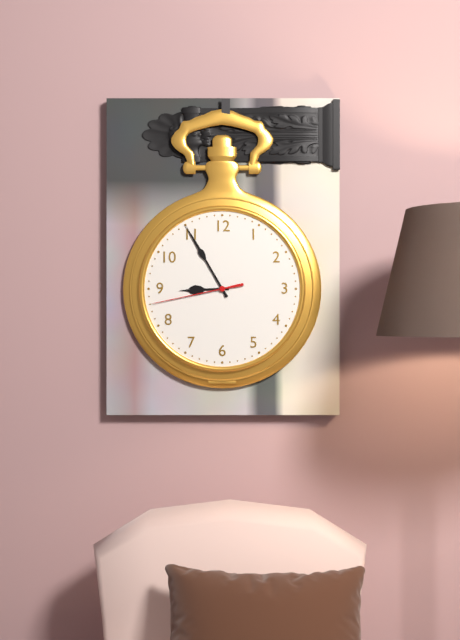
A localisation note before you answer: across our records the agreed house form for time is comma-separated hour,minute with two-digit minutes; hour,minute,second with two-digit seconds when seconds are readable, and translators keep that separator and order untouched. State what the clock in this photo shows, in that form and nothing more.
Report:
8,55,43
